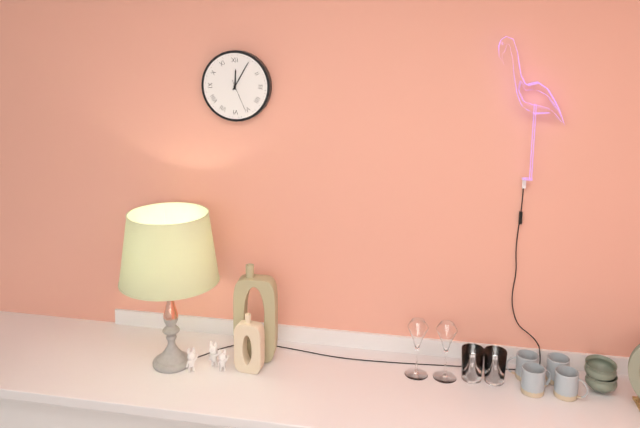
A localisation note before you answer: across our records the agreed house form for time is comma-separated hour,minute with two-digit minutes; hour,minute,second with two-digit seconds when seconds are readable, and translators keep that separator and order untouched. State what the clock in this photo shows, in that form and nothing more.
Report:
12,05
